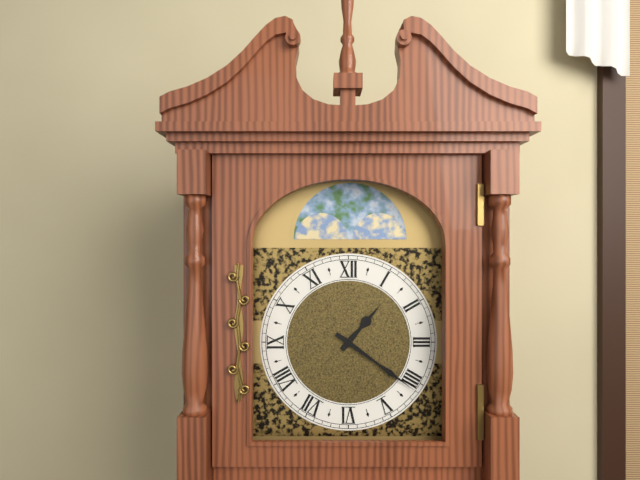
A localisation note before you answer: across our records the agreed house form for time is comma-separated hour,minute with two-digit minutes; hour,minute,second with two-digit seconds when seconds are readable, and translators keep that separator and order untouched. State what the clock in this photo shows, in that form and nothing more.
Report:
1,21
